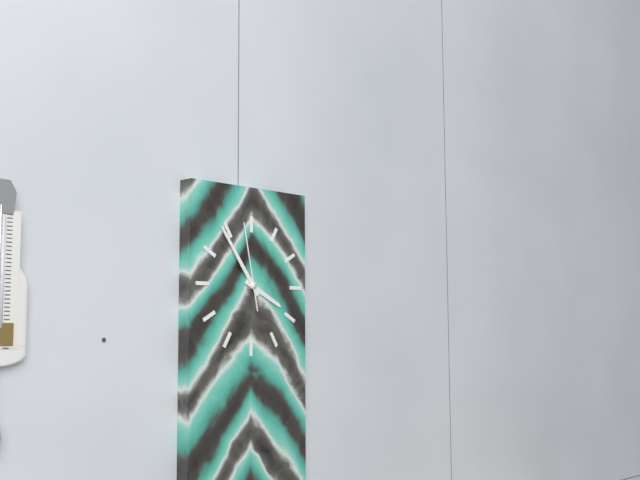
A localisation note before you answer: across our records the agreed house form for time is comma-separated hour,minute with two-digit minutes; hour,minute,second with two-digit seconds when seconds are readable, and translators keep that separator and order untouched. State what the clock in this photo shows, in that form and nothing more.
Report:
3,54,58
